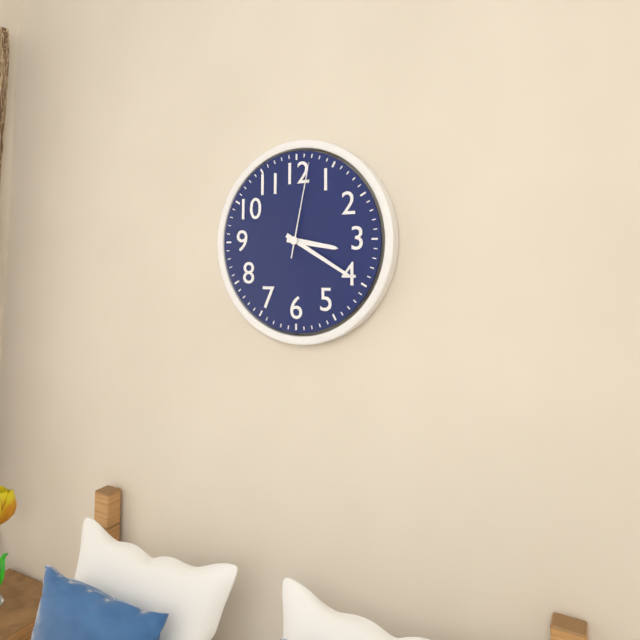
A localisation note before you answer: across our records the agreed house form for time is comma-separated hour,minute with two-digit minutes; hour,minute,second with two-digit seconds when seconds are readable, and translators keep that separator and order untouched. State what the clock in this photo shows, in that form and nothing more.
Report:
3,20,02
